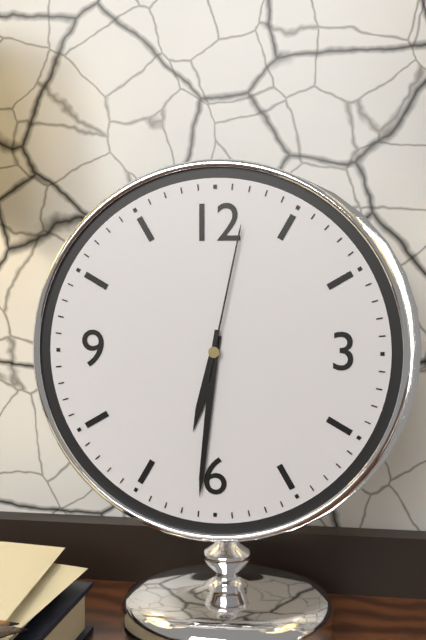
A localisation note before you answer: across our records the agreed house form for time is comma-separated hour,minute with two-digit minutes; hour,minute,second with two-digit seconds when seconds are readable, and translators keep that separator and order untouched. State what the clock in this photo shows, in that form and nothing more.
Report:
6,31,02
